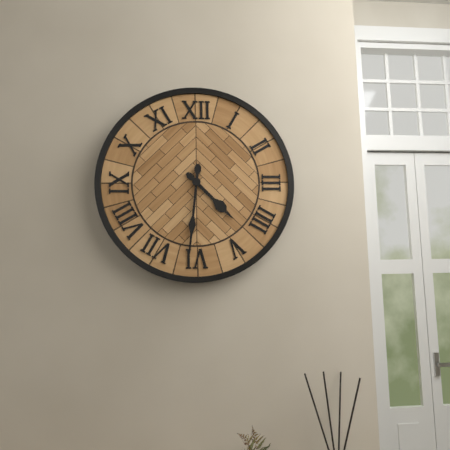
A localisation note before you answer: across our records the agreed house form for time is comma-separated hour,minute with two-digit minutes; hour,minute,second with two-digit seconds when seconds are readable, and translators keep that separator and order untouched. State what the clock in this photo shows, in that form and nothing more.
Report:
4,31
